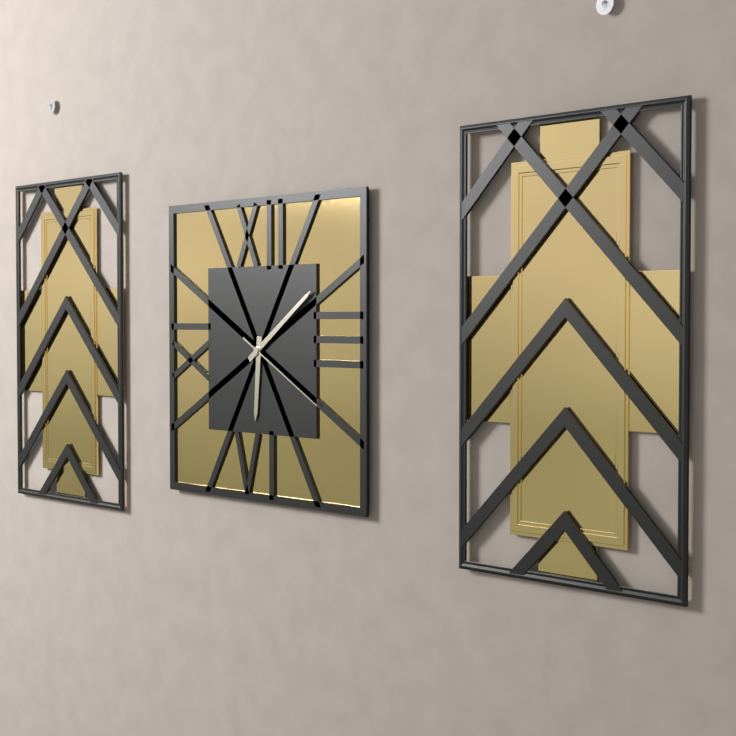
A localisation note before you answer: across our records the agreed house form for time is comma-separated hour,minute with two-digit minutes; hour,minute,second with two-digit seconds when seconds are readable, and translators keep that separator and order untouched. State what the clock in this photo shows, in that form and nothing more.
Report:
6,09,20
